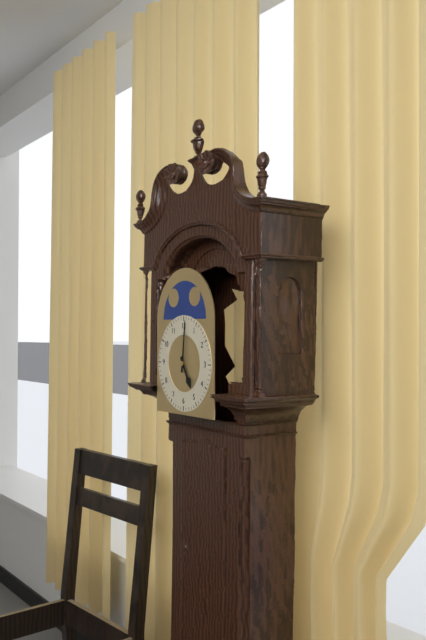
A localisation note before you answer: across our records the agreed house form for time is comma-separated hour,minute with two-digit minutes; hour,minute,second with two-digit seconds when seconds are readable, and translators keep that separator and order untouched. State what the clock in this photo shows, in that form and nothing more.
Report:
5,01
